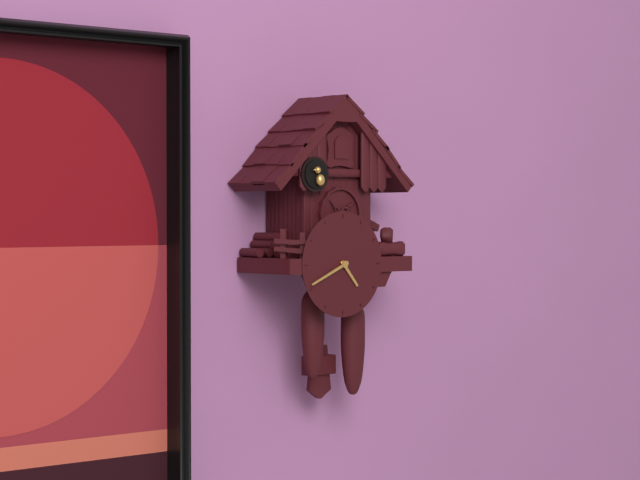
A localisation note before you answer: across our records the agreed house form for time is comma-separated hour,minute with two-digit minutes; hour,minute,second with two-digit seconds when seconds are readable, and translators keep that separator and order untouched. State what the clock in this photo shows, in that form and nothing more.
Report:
4,41
